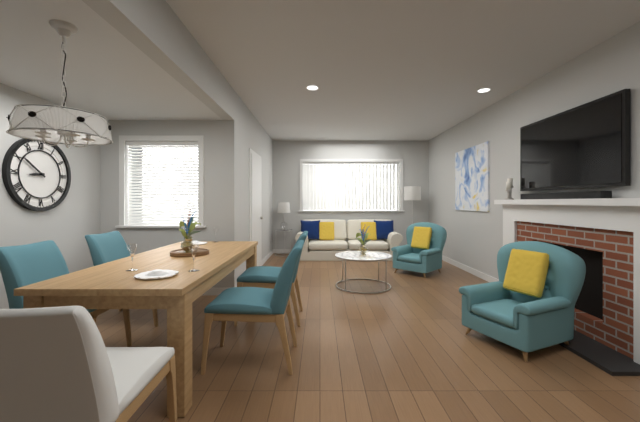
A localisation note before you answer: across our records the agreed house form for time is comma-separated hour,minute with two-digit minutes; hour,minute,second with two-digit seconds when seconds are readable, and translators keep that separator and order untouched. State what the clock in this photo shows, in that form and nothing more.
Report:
8,51
